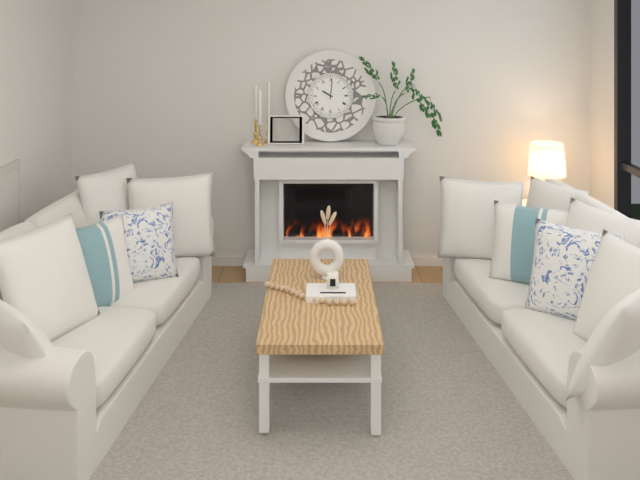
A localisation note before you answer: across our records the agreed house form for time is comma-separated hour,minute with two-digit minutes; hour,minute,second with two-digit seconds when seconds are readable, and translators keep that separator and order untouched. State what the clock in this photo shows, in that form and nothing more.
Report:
10,01
